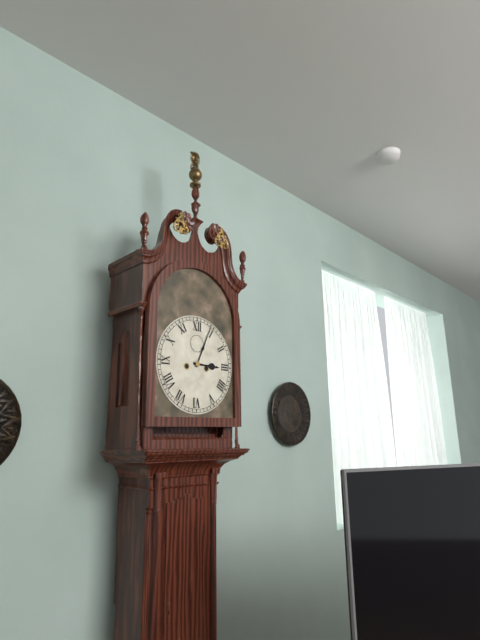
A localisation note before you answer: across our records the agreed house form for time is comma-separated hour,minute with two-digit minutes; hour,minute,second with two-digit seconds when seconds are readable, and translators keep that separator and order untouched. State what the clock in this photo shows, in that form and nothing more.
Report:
3,04
